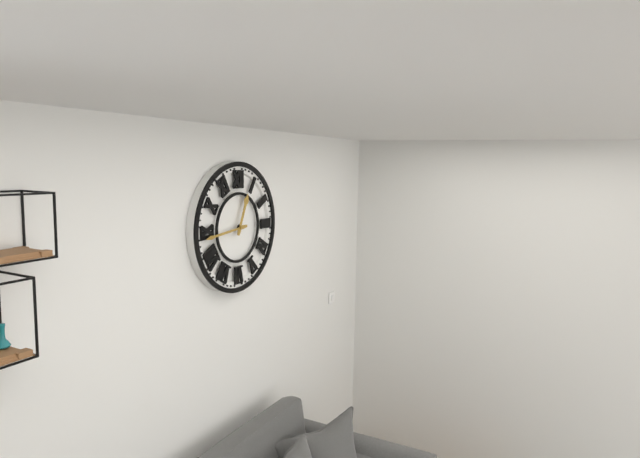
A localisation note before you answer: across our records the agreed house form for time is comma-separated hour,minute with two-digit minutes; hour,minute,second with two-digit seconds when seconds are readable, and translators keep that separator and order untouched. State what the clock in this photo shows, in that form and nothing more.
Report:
12,44
